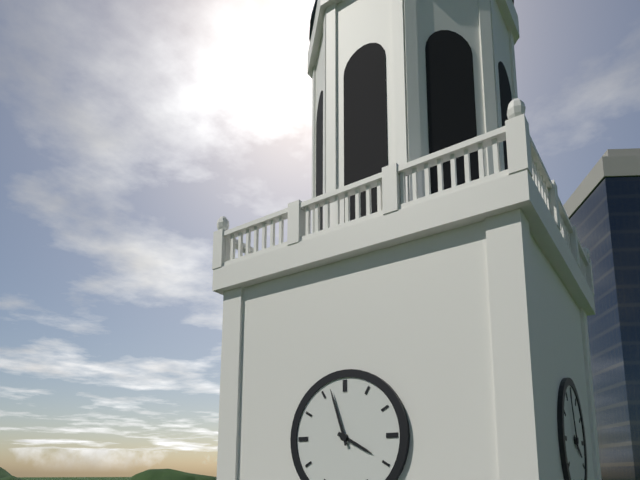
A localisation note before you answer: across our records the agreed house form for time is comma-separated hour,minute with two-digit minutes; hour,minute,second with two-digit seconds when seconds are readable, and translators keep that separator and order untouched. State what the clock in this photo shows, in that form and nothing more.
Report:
3,57
